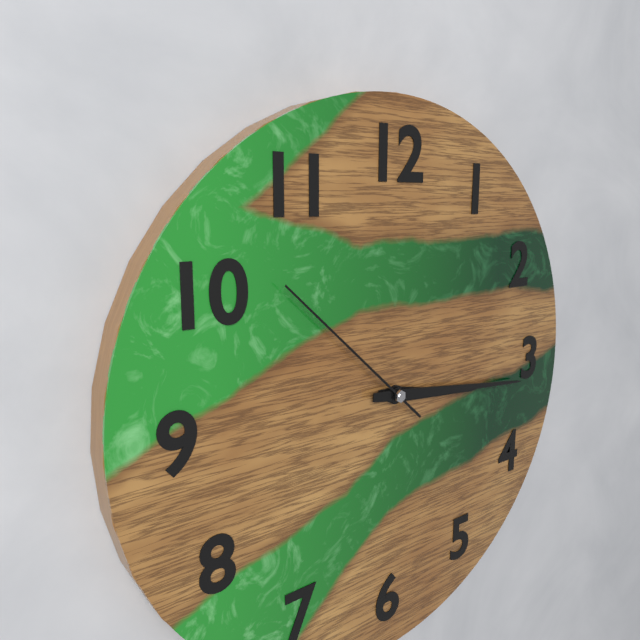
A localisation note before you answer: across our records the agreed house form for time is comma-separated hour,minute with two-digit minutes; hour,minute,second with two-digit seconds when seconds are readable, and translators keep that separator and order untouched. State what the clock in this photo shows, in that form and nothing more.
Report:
3,16,52
